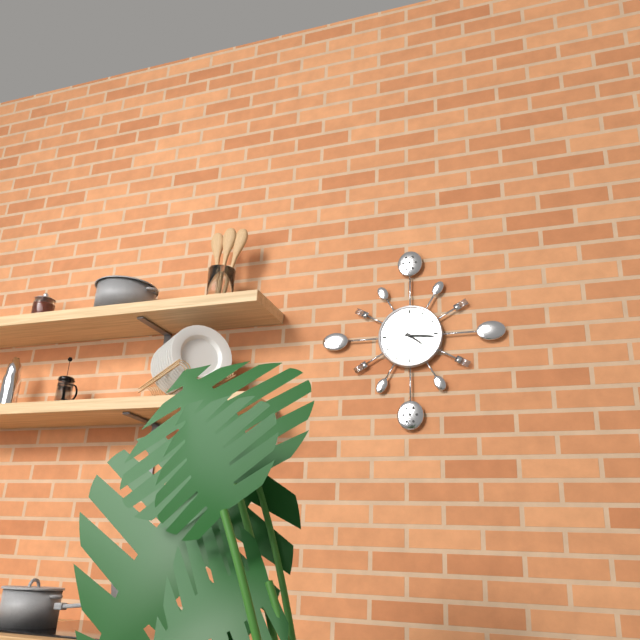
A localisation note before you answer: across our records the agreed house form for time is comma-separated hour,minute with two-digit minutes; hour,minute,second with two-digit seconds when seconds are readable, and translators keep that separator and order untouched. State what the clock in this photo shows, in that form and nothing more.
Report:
4,16
